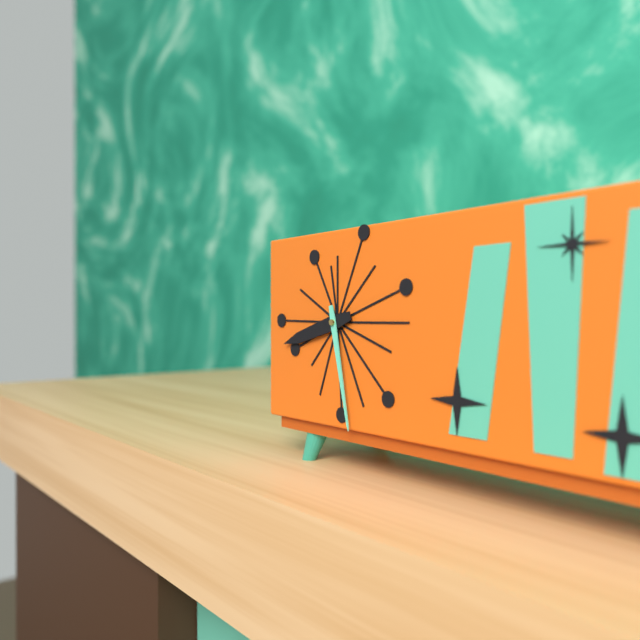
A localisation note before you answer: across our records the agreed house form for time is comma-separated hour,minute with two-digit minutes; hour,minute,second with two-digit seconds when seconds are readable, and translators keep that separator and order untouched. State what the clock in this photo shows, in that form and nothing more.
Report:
8,28
